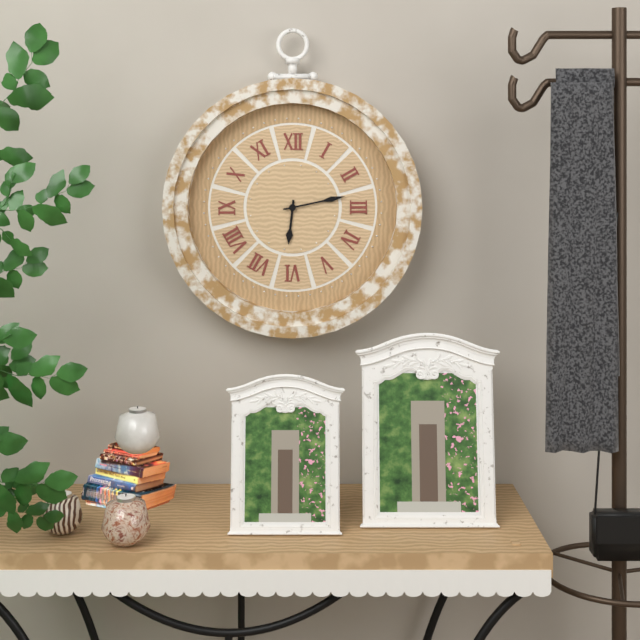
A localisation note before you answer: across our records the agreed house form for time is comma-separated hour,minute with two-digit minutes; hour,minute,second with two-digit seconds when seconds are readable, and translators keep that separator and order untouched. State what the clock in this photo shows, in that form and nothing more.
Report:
6,13
